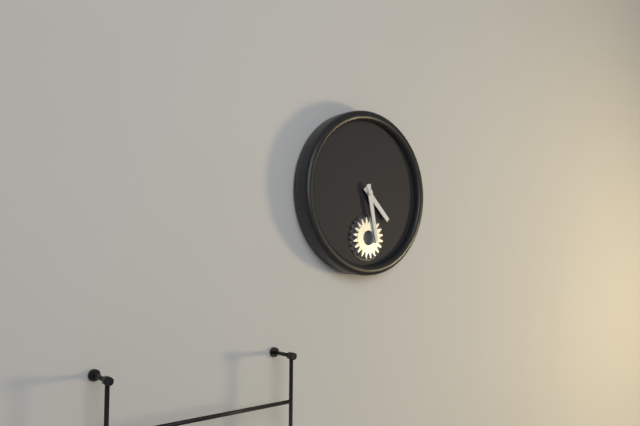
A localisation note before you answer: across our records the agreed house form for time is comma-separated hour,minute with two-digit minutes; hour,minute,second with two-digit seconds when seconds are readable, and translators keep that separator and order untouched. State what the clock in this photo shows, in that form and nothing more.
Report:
4,28
